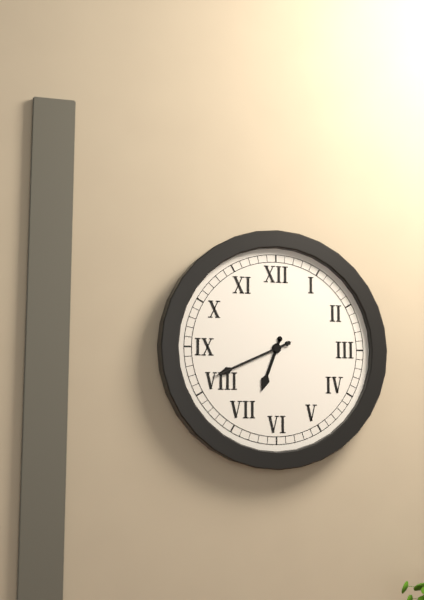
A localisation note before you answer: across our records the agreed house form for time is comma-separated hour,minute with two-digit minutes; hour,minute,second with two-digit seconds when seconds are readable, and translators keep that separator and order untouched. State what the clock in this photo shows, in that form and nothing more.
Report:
6,41,41
